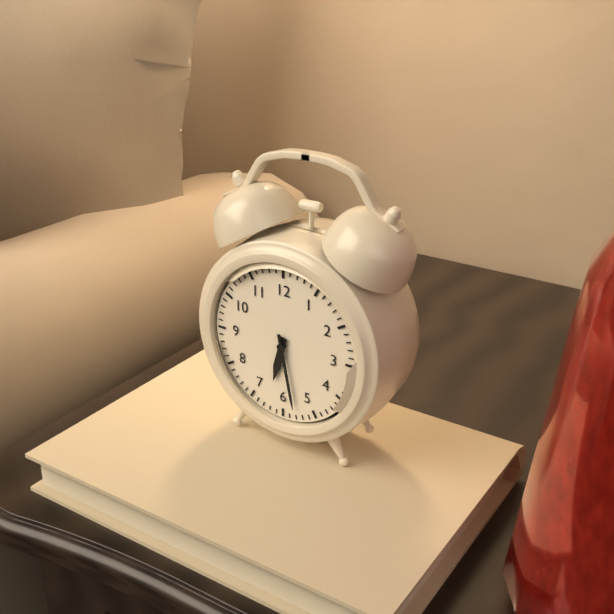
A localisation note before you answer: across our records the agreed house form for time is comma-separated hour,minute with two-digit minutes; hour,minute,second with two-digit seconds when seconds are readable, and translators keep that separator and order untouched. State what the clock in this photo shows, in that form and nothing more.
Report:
6,28
